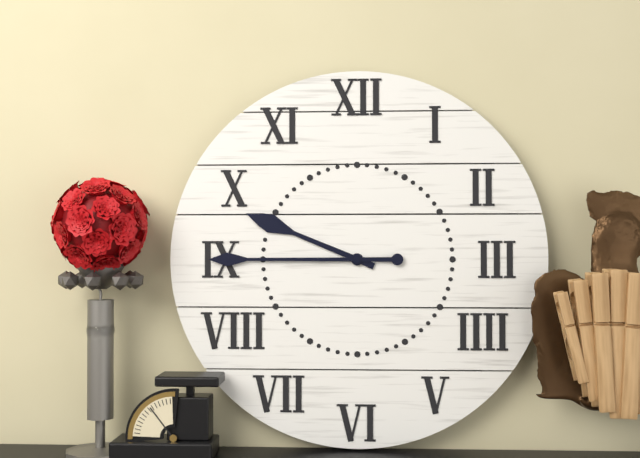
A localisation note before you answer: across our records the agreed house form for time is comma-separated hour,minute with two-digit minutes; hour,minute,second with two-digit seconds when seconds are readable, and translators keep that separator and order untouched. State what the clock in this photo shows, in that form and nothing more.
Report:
9,45
